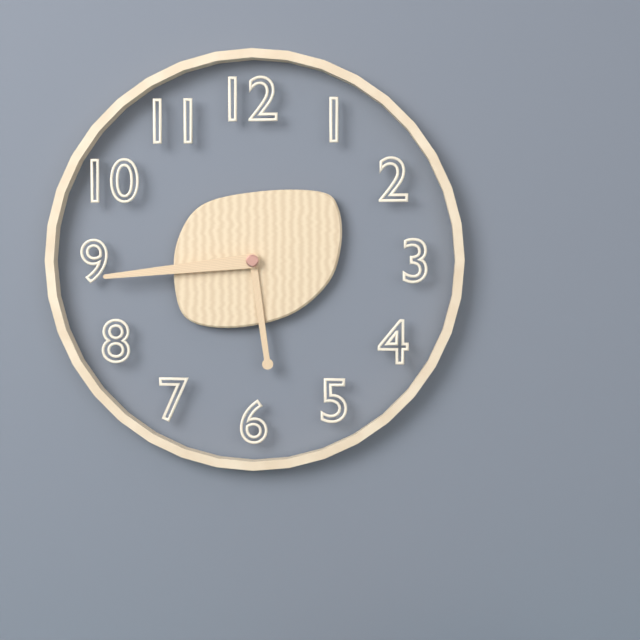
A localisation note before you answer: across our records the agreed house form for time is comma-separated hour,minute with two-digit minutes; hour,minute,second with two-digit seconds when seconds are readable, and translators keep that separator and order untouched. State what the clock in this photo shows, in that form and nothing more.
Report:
5,44
